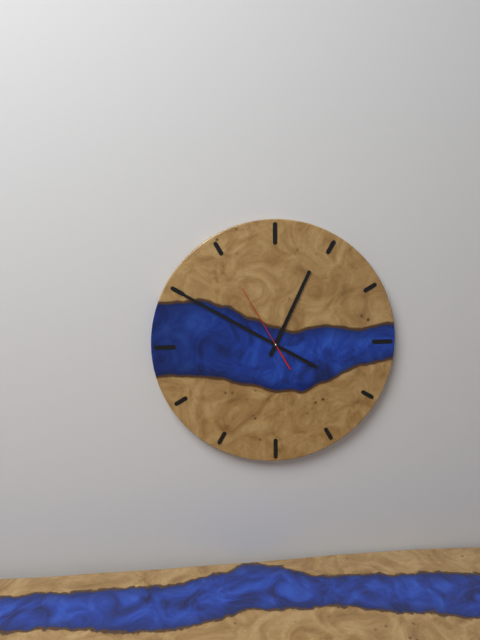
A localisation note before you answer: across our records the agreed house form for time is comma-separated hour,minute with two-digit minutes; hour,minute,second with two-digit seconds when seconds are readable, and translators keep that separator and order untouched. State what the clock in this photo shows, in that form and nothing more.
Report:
12,50,55
